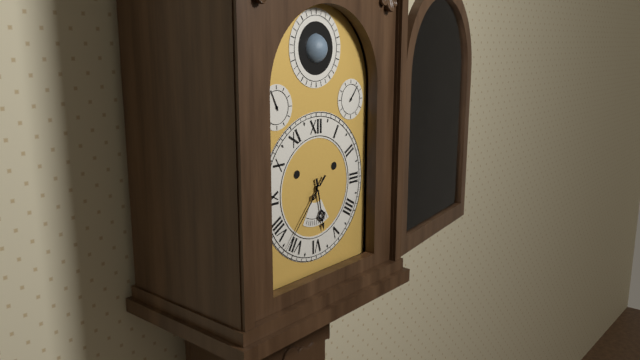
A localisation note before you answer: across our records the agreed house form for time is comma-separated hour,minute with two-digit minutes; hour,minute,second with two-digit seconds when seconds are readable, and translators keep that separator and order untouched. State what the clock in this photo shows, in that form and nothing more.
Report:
5,37
